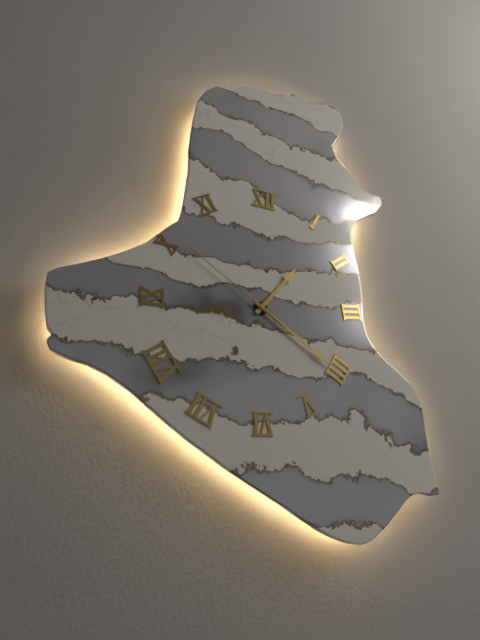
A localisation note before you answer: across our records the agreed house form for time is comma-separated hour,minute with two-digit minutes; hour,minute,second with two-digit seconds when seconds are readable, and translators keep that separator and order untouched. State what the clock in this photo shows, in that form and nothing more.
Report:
1,21,51
